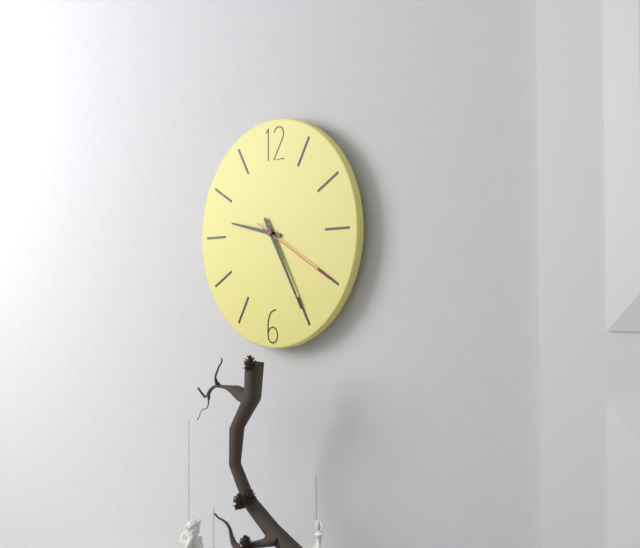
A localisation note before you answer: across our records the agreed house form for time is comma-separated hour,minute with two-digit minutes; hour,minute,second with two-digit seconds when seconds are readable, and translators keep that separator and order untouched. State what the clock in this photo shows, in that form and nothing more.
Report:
9,25,20
